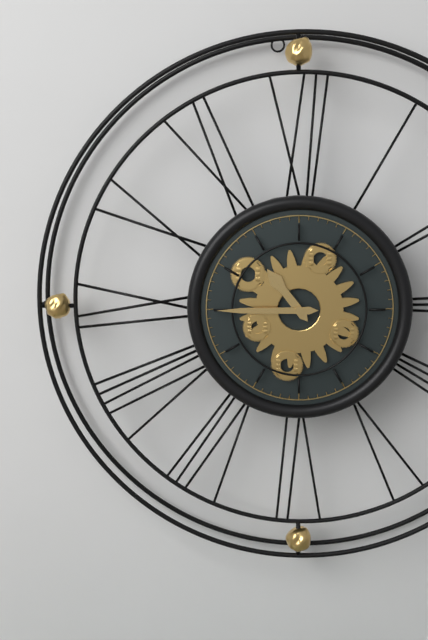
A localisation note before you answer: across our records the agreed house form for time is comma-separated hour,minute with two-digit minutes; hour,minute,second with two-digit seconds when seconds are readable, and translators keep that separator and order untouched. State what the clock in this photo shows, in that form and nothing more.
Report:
10,45
